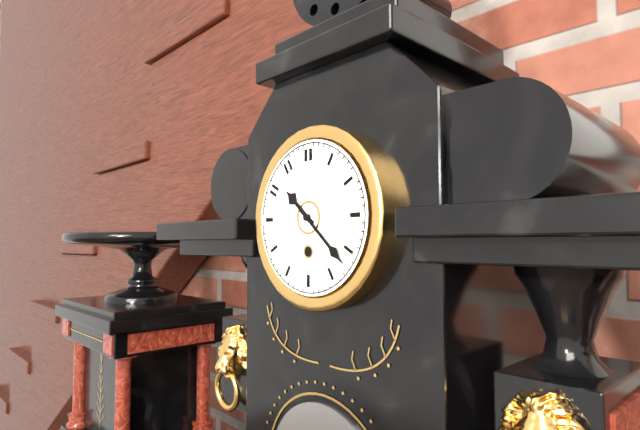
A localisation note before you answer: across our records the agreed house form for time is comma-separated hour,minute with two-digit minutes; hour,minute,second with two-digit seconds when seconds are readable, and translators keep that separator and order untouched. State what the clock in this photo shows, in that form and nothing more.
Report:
10,22
